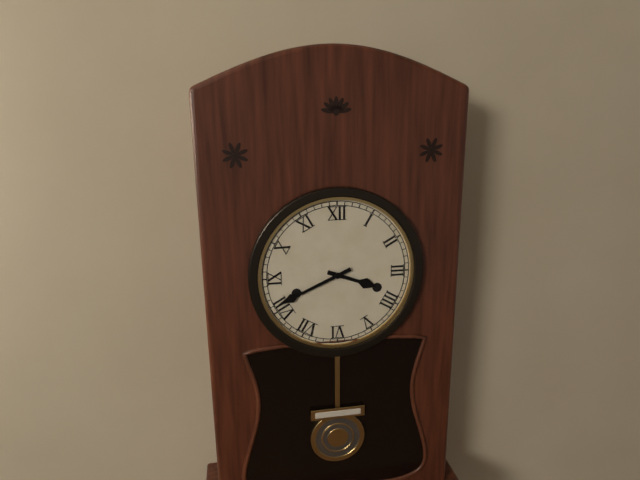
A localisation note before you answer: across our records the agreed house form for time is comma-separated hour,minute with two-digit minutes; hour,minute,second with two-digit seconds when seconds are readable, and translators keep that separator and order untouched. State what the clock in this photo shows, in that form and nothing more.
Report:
3,41
